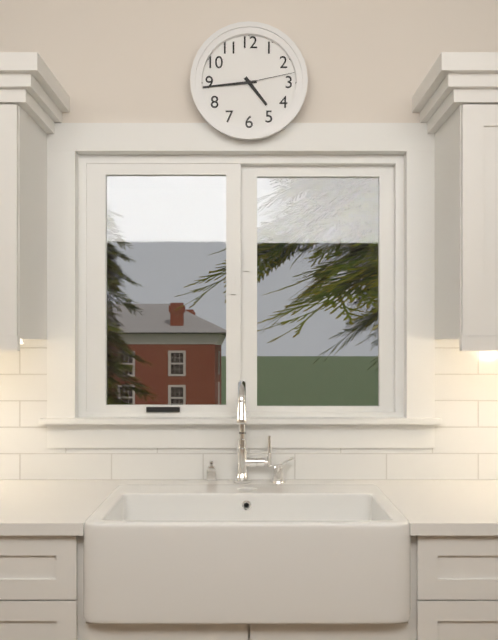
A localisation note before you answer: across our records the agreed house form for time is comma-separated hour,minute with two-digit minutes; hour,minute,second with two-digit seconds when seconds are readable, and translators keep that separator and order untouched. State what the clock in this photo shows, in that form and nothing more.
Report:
4,44,13
